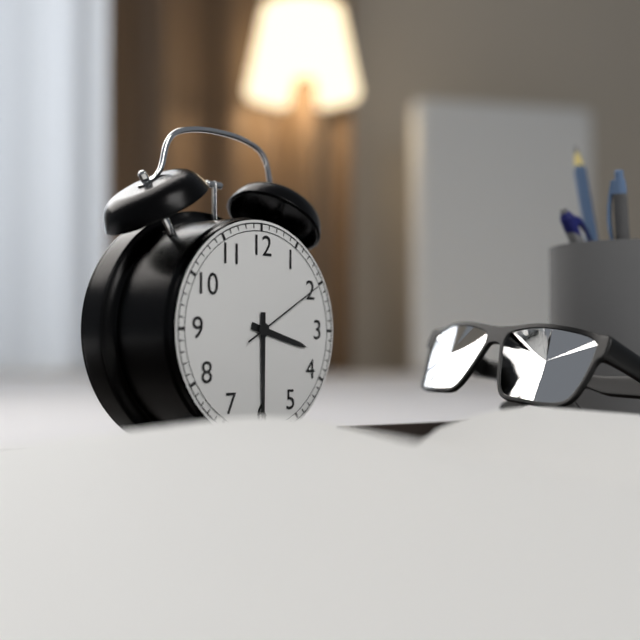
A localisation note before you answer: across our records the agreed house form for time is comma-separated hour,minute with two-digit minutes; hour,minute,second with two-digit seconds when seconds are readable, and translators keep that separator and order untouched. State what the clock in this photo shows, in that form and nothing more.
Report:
3,30,10
